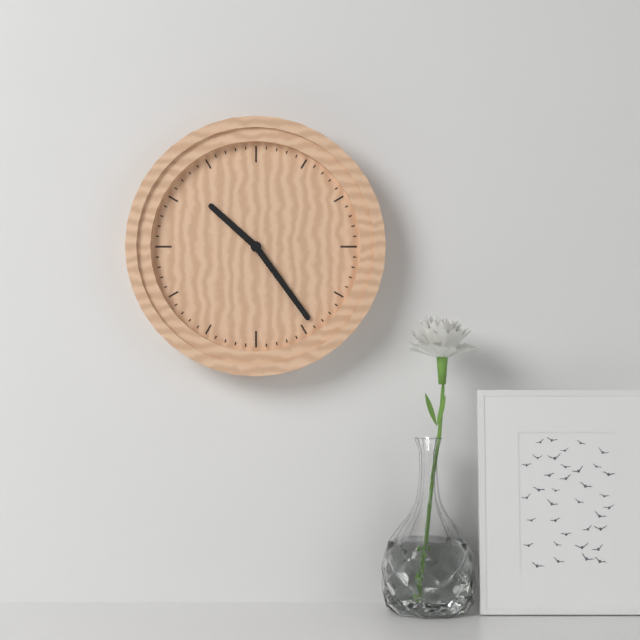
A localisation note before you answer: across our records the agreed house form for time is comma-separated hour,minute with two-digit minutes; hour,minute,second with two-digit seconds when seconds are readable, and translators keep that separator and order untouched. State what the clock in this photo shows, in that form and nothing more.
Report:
10,24
